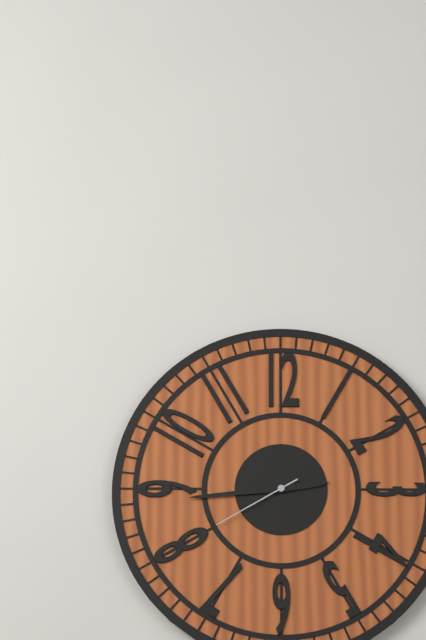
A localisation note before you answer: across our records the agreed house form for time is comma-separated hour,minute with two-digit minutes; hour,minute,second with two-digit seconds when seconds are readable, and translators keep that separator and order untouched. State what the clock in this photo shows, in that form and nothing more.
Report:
2,44,40
